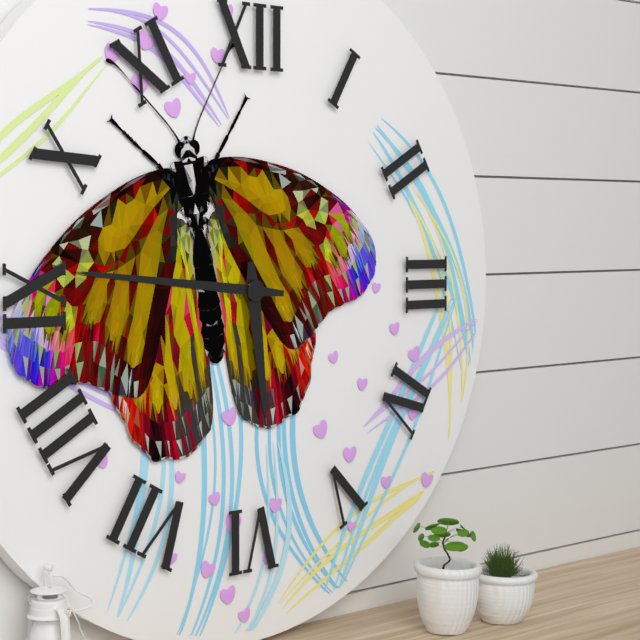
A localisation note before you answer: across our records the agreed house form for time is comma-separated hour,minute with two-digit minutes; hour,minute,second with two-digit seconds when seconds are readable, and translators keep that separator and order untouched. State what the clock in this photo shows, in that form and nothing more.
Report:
5,46
